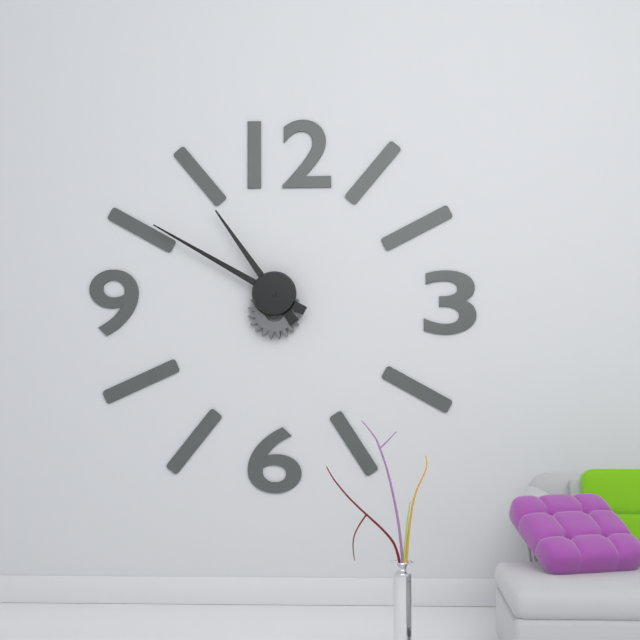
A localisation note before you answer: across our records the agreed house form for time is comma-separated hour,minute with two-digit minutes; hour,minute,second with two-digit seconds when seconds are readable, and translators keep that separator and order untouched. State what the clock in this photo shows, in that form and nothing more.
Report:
10,50
